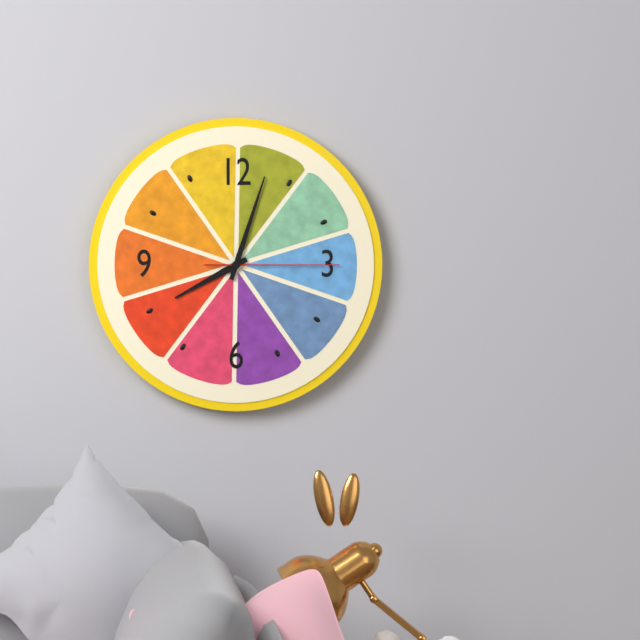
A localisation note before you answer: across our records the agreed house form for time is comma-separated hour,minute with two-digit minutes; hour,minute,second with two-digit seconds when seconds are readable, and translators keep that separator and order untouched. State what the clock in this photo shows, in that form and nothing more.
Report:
8,03,15
